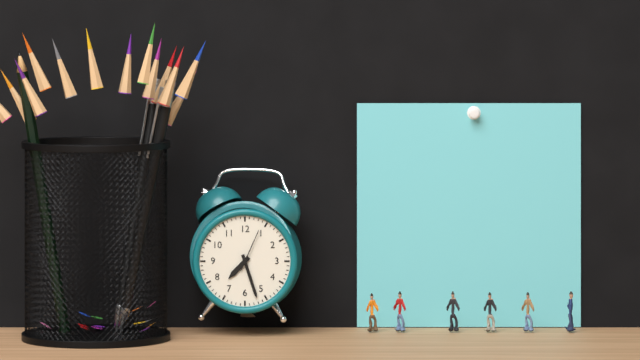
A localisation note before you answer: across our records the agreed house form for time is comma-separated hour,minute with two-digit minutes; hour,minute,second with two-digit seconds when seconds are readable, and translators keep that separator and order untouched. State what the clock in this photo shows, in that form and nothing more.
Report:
7,27
